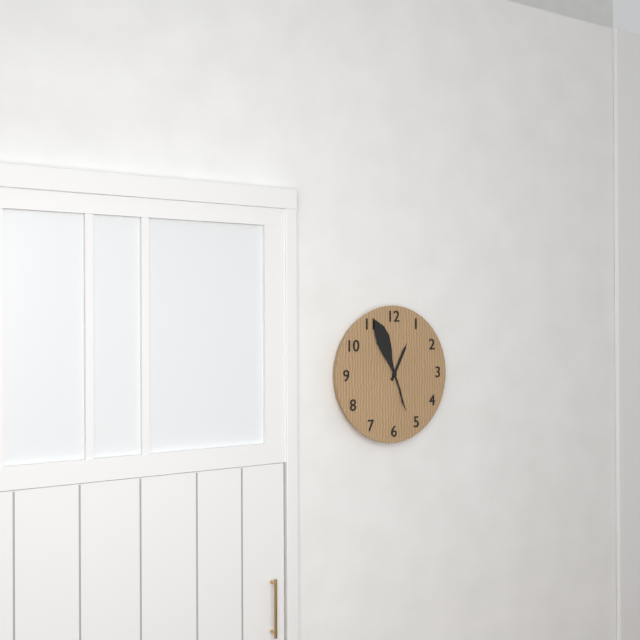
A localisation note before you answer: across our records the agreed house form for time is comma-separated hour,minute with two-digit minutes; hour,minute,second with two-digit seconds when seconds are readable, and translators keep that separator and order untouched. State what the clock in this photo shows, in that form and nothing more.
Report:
12,56
